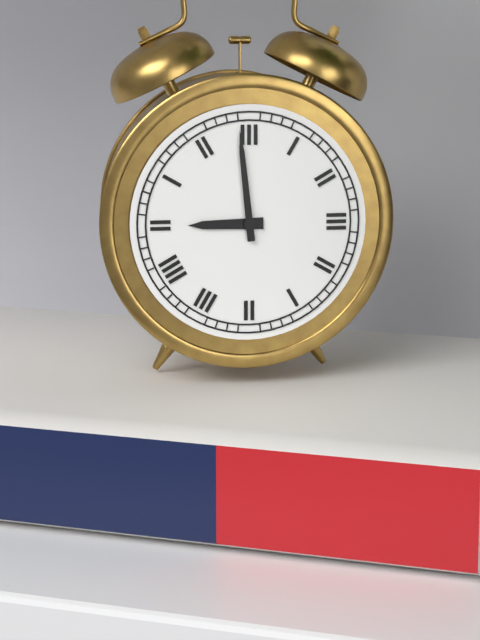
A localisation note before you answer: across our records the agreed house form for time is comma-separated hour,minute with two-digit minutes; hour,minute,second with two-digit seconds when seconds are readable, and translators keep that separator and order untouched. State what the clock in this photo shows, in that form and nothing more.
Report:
8,59
